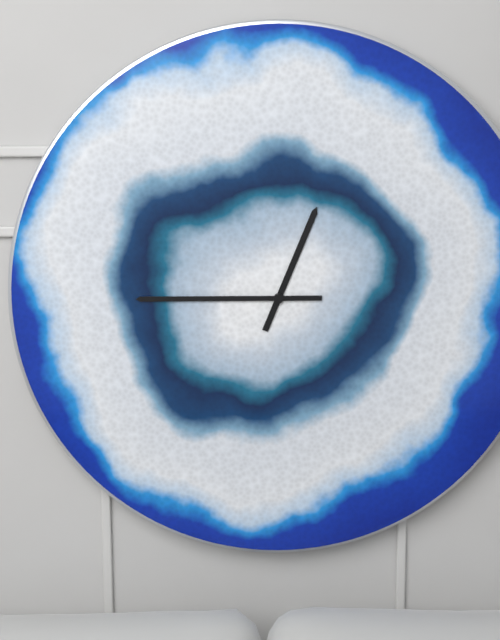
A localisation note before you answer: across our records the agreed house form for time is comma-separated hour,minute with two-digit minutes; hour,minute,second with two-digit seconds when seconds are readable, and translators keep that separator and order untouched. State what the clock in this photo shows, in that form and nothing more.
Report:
12,45
